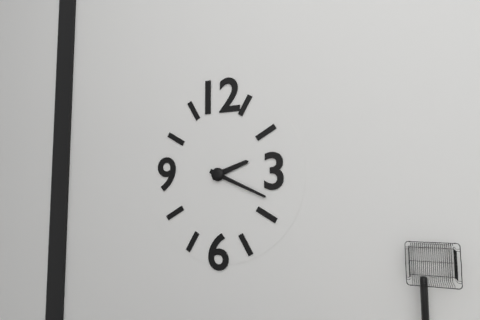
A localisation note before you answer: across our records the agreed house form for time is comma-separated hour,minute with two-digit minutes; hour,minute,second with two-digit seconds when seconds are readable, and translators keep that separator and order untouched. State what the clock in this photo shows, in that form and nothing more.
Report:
2,19
